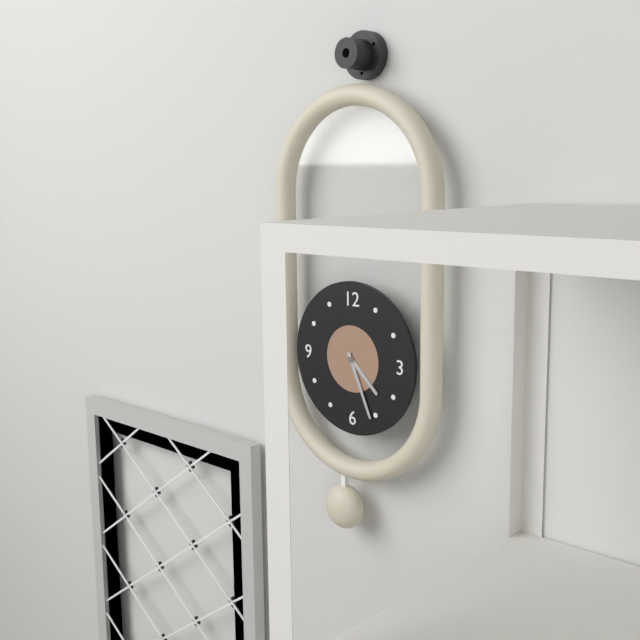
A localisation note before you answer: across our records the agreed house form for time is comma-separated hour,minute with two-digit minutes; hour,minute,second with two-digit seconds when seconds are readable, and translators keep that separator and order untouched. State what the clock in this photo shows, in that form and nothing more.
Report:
4,26
